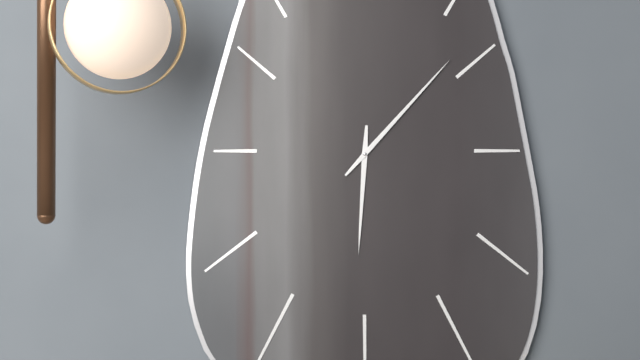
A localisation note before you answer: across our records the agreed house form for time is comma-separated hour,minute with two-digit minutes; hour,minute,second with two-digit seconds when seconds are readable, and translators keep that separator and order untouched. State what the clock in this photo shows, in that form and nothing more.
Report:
6,07
